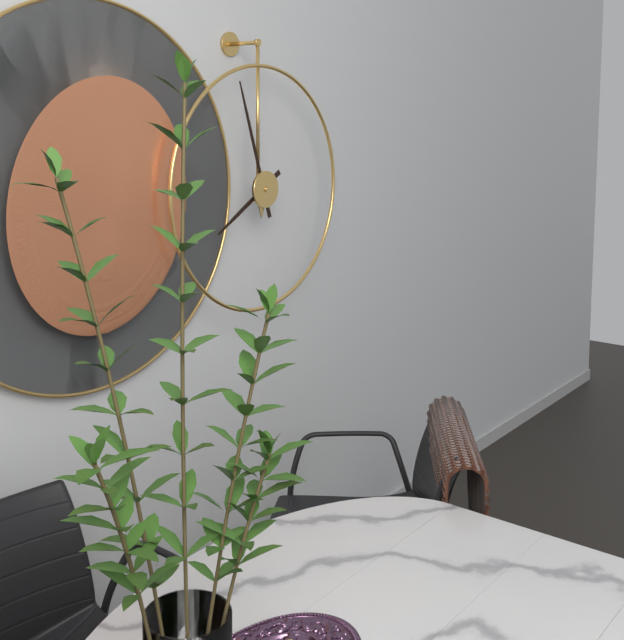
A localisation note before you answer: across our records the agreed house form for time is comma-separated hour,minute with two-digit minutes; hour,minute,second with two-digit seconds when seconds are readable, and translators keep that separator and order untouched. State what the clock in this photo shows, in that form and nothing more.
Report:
7,57
